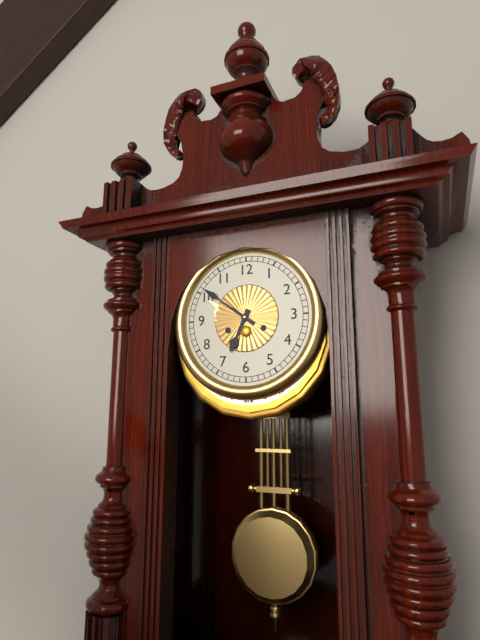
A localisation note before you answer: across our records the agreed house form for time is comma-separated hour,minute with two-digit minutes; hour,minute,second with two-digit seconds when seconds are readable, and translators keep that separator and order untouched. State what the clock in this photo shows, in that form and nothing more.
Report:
6,51
